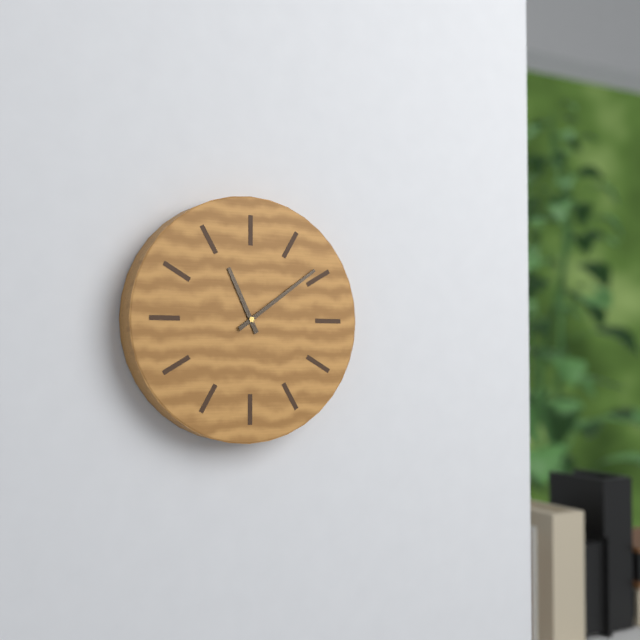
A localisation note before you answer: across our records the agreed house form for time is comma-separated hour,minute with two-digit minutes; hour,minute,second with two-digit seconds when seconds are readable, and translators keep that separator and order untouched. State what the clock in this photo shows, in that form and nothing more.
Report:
11,09
